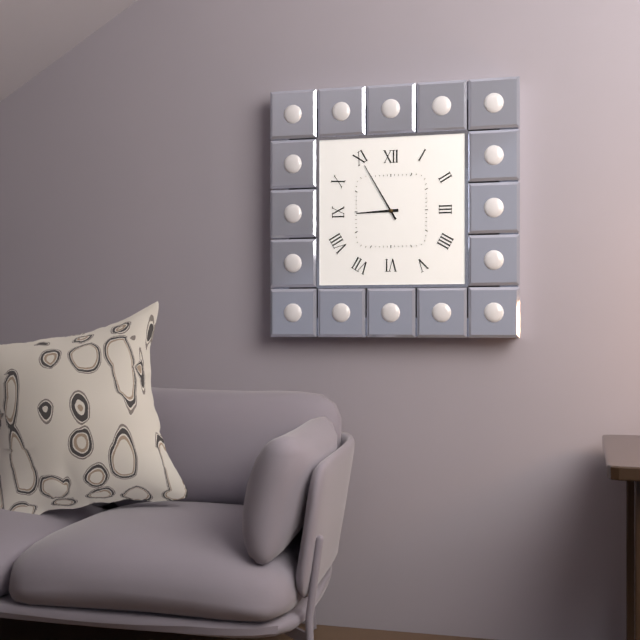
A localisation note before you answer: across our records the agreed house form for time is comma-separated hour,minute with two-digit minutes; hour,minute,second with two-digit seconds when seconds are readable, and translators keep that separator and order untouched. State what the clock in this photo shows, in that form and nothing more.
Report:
8,55
